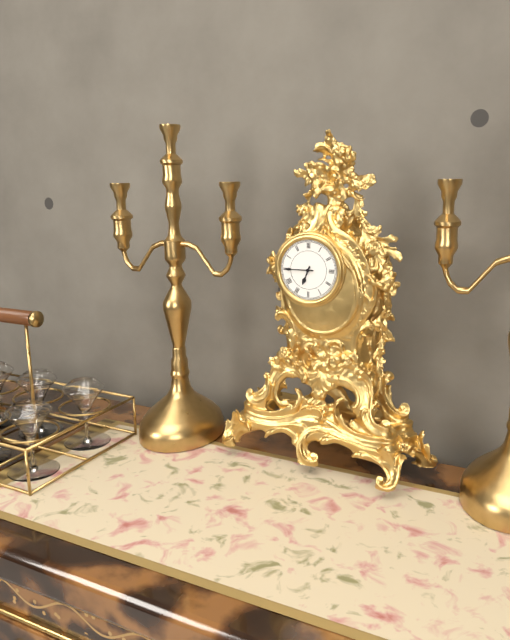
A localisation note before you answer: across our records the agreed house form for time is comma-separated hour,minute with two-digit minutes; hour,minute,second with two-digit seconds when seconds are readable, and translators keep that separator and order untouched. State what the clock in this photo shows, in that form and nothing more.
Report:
6,45
